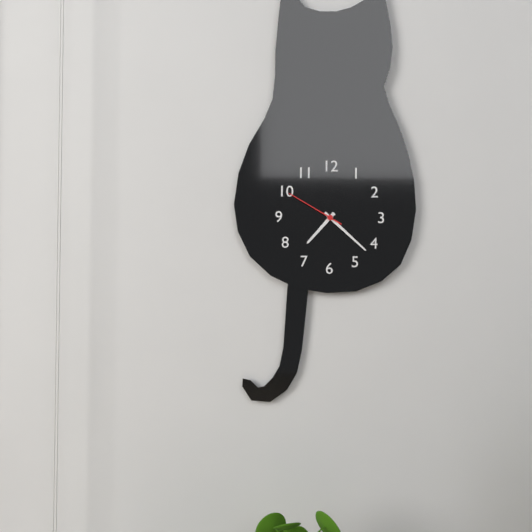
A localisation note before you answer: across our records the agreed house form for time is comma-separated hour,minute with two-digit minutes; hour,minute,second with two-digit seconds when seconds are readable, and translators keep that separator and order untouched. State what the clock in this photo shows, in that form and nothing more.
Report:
7,22,50
